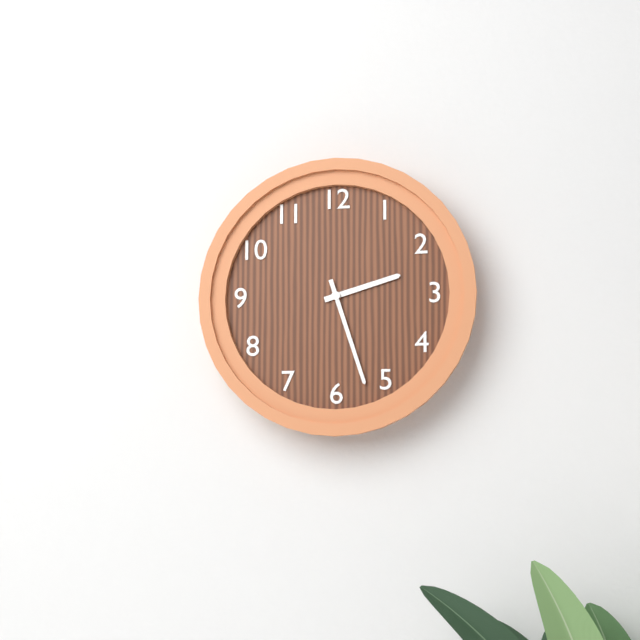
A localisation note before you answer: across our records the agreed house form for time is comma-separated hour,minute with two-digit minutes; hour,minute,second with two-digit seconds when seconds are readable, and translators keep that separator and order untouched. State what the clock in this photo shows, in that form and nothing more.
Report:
2,27
